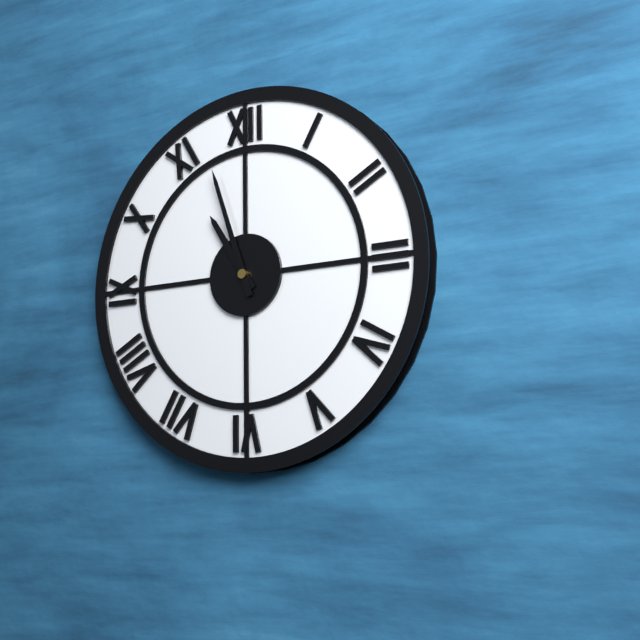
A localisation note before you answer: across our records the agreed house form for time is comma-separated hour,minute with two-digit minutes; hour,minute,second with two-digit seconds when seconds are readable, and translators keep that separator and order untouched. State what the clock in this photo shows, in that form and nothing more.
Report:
10,57
